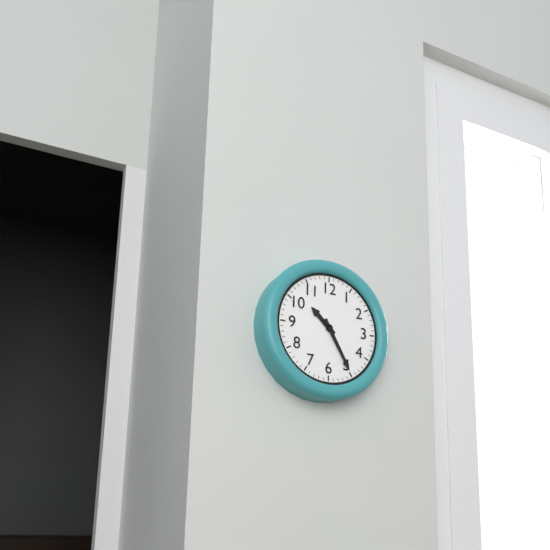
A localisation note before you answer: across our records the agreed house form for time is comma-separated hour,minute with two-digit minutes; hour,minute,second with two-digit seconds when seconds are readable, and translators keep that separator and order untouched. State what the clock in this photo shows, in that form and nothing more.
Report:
10,25
